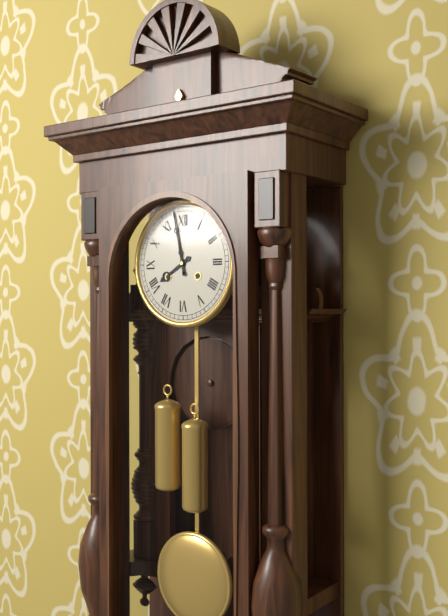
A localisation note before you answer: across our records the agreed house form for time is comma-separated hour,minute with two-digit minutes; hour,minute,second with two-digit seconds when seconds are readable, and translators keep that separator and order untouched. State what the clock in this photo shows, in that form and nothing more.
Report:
7,58
